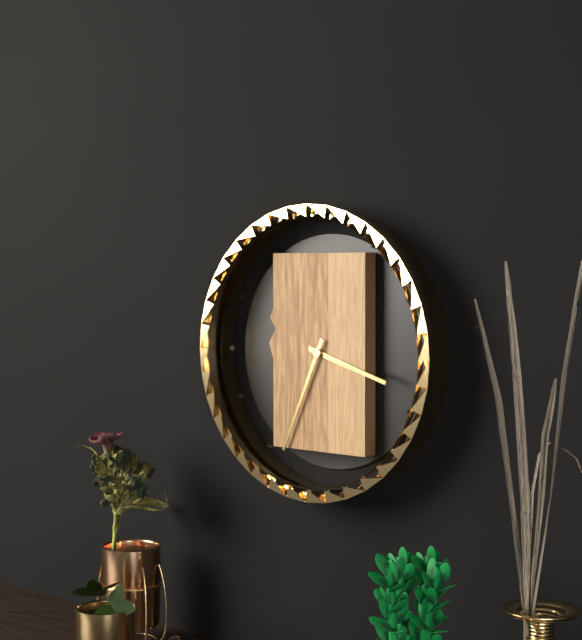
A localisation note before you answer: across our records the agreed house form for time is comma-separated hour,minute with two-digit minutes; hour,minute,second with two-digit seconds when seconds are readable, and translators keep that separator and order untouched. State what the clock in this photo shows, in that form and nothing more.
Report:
3,34
